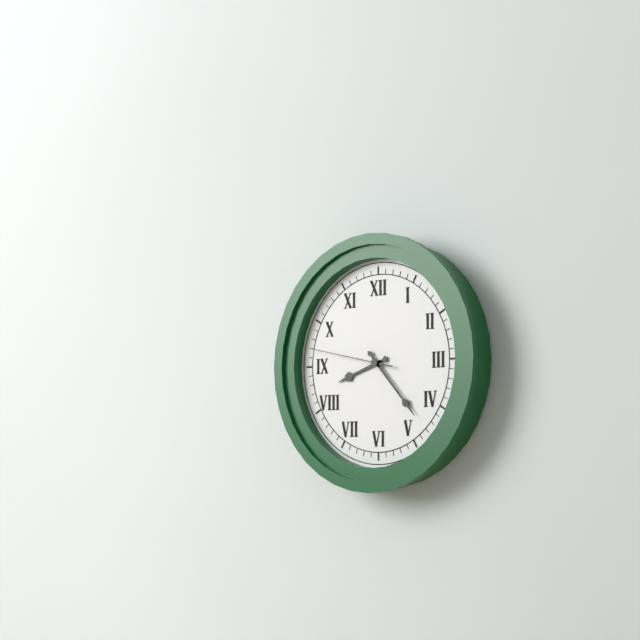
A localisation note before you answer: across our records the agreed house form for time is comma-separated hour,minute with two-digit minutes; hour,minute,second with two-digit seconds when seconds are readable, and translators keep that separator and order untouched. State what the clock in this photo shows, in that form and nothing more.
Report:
8,23,47
